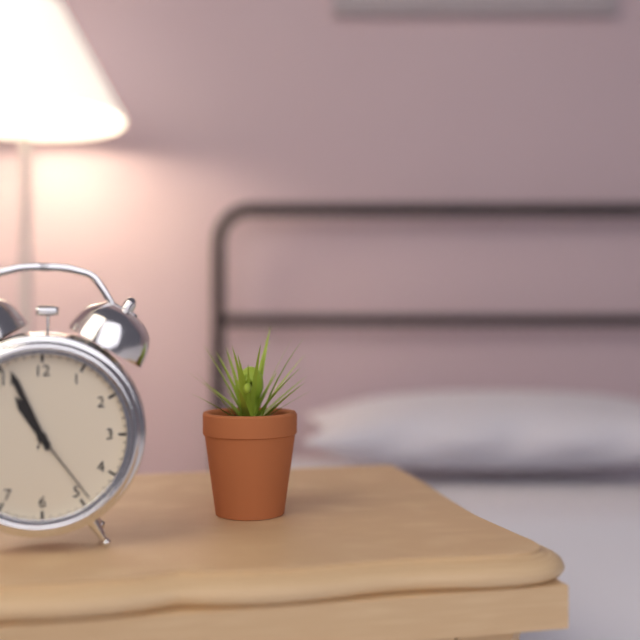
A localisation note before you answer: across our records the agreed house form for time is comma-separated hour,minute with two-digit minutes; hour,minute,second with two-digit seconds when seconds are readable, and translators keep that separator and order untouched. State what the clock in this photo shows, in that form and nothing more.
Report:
10,56,24
